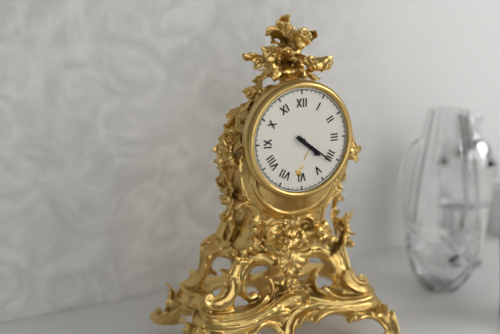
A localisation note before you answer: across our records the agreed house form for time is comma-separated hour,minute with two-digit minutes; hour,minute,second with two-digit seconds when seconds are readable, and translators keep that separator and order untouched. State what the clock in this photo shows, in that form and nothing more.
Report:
4,21
